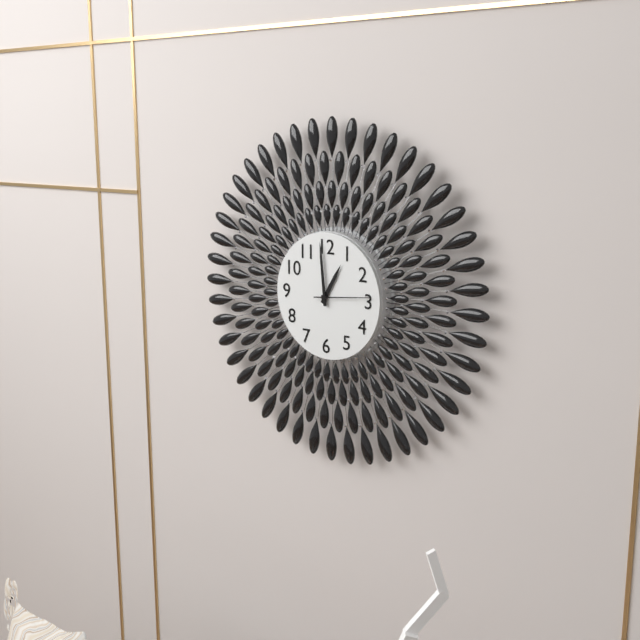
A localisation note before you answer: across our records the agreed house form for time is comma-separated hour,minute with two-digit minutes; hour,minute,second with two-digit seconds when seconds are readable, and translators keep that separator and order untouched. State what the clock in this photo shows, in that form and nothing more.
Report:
12,59,14
